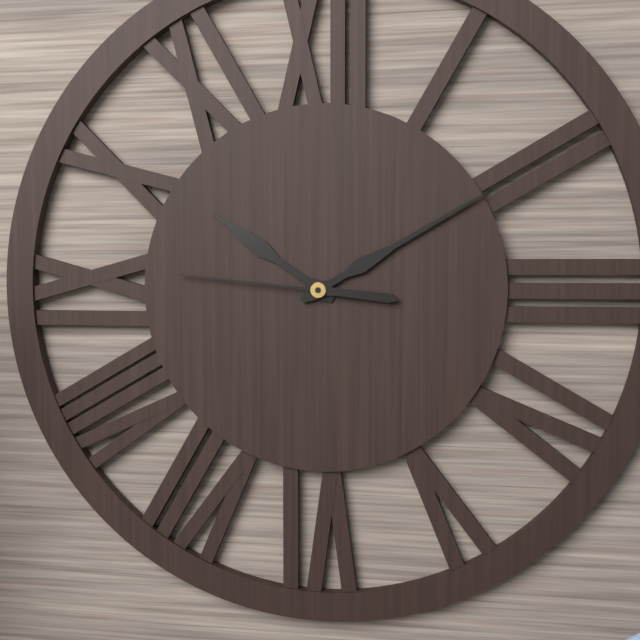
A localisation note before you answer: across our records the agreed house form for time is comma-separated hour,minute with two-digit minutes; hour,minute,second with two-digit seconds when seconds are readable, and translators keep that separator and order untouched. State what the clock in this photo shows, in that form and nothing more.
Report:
10,10,46
